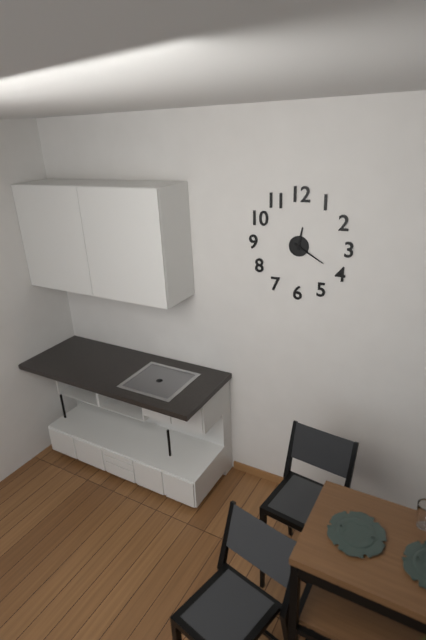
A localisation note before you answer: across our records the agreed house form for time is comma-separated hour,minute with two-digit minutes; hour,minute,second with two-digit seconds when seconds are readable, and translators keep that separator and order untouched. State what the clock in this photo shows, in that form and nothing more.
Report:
12,20
